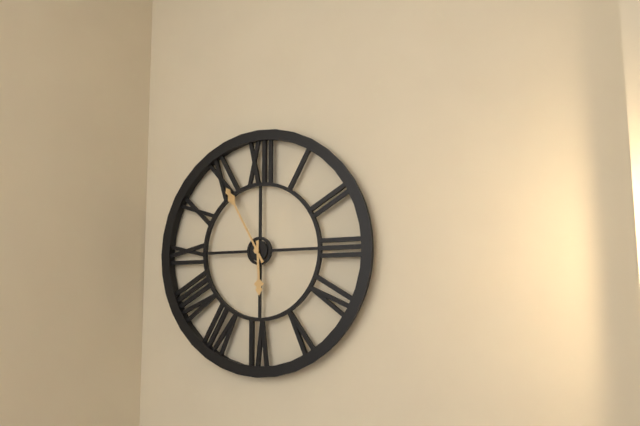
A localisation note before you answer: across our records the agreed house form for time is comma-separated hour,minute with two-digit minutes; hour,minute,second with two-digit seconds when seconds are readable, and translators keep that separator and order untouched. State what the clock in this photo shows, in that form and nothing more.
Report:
5,55
